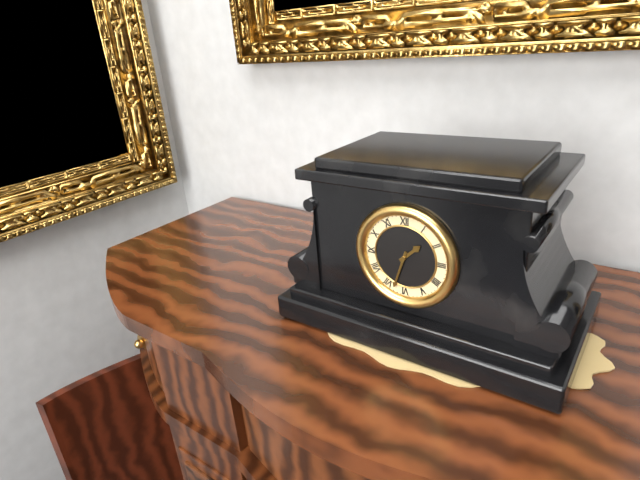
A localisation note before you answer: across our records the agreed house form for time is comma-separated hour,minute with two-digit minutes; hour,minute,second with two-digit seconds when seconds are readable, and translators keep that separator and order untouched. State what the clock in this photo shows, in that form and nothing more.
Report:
1,33
